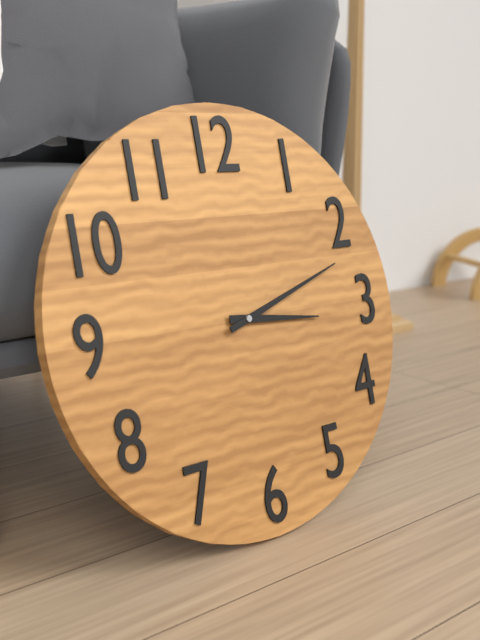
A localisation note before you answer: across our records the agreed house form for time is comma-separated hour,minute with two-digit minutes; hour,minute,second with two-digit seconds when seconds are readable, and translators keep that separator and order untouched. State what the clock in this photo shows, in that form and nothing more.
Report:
3,12
